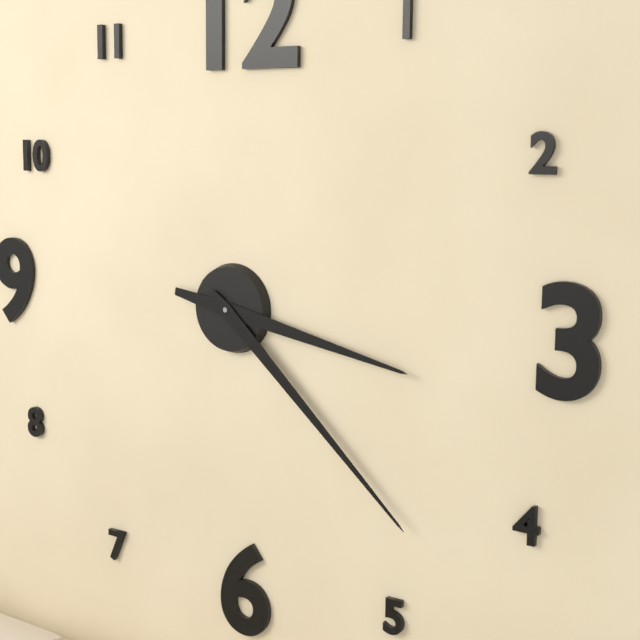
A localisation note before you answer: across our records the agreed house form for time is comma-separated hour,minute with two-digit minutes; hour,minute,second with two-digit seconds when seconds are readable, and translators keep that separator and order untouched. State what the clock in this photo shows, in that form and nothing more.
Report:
3,22
